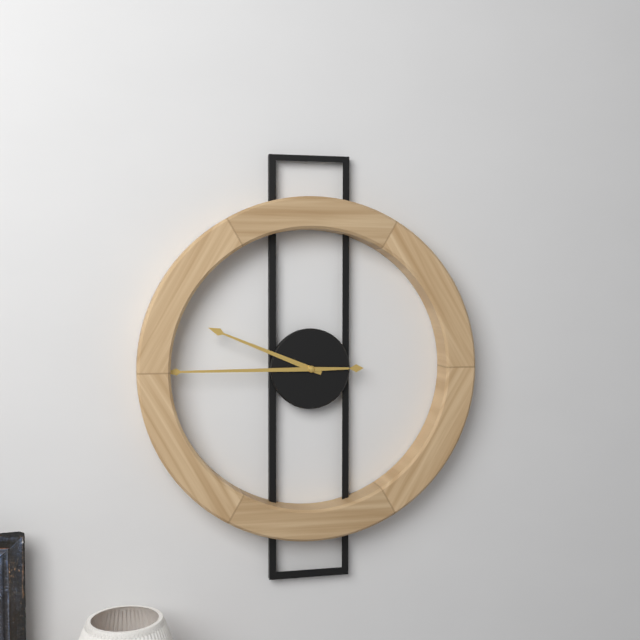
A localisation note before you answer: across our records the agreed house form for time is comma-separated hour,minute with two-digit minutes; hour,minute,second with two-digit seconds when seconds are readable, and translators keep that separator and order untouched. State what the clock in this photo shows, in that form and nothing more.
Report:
9,45
